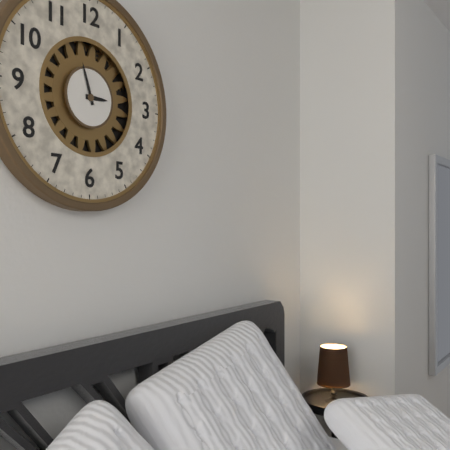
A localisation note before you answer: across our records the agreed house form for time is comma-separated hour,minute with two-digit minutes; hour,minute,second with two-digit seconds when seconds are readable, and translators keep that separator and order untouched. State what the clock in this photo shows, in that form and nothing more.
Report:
2,57
